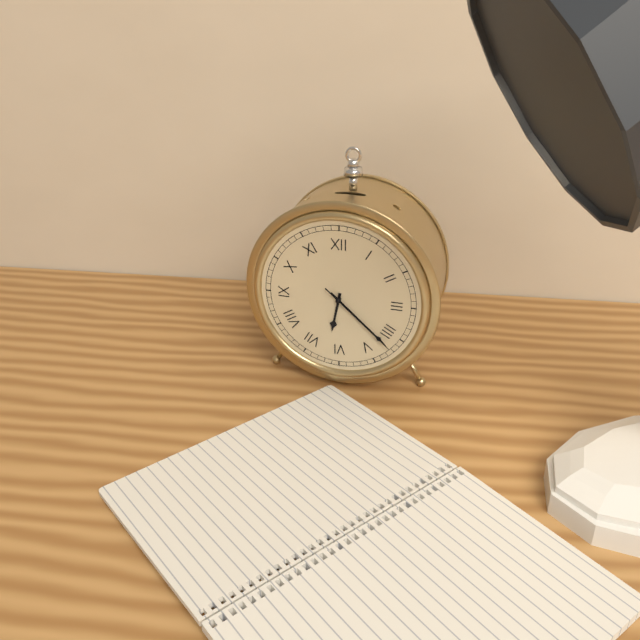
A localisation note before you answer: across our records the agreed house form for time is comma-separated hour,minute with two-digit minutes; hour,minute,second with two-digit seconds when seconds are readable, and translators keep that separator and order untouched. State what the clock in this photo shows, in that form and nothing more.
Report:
6,22,22
